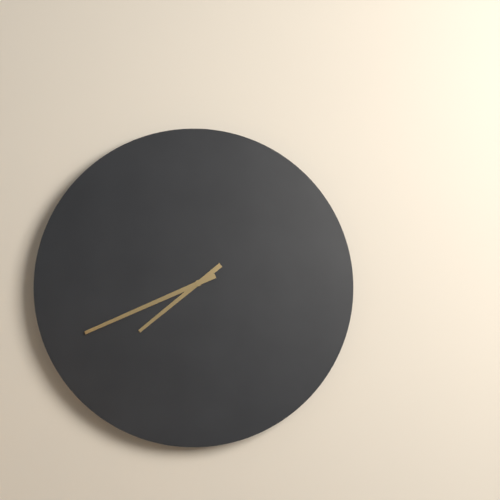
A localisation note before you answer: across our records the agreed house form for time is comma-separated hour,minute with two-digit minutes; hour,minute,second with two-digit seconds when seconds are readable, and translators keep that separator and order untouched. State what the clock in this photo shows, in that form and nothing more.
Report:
7,41
